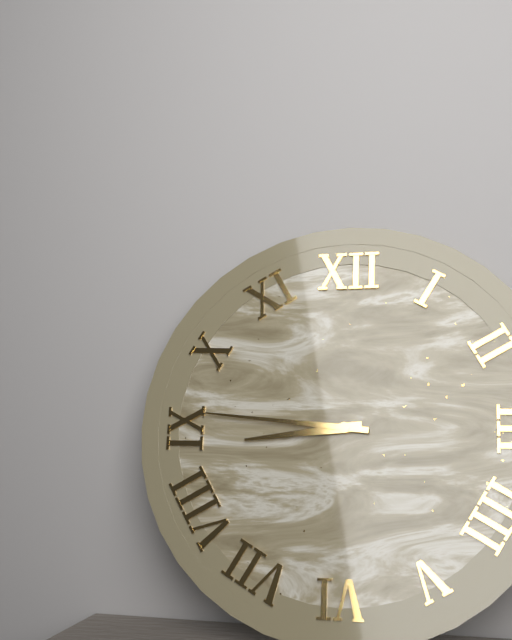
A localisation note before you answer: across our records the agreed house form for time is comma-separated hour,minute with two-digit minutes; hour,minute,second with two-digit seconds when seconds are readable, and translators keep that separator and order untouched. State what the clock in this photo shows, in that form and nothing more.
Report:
8,46
